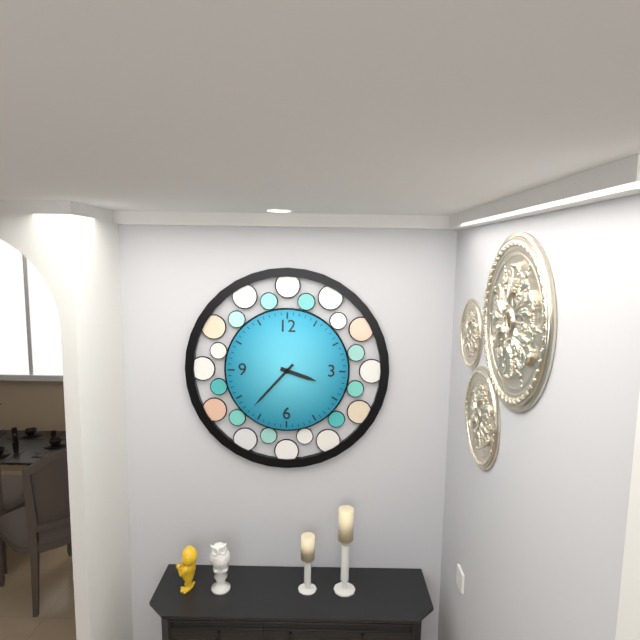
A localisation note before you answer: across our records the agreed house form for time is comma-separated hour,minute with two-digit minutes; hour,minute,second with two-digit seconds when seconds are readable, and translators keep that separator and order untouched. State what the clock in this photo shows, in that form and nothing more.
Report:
3,37
